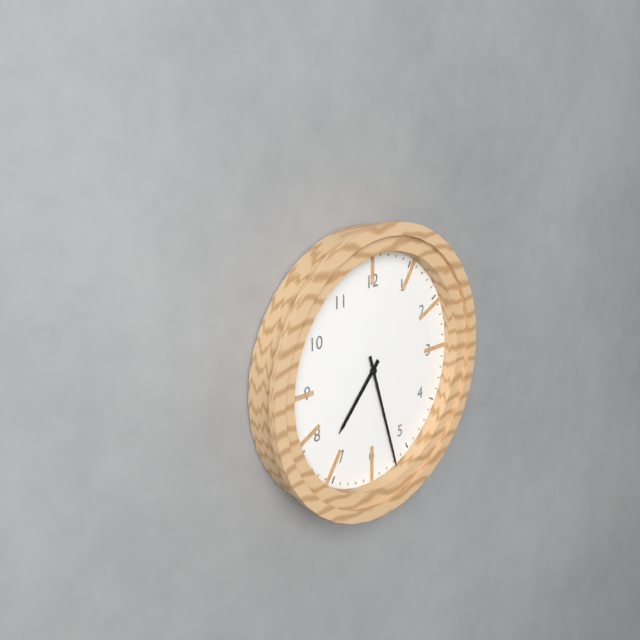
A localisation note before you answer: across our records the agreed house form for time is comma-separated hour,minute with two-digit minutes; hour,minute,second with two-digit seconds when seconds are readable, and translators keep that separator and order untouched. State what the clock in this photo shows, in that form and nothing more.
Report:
7,27
